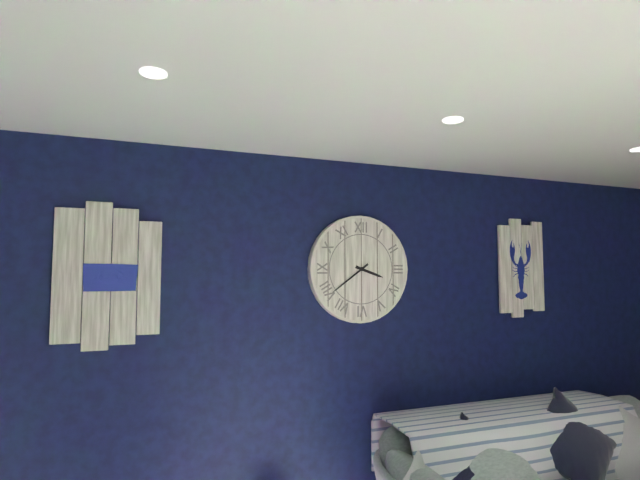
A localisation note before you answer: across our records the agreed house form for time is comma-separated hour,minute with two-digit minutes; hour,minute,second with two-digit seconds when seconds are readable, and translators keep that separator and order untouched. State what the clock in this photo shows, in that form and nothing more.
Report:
3,39
